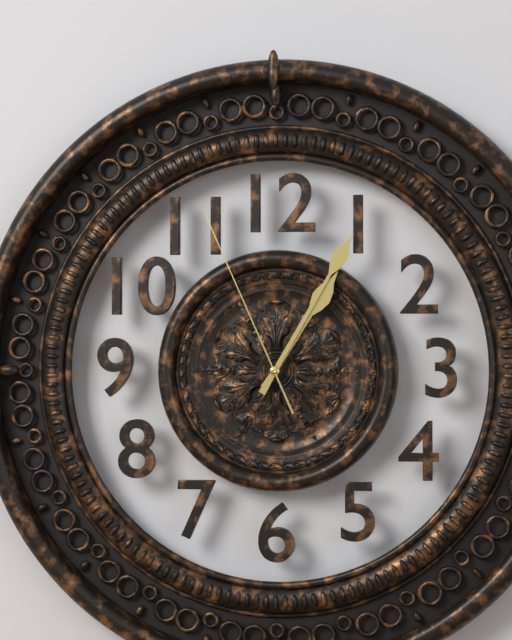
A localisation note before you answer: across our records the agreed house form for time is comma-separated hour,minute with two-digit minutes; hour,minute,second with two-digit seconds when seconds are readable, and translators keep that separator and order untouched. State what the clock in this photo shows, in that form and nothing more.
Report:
1,05,56
